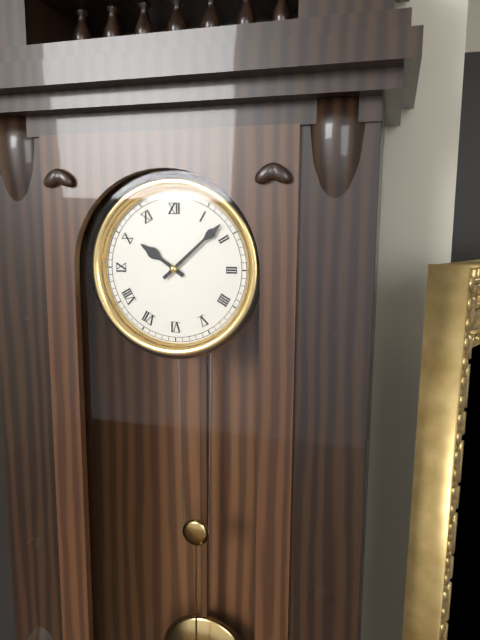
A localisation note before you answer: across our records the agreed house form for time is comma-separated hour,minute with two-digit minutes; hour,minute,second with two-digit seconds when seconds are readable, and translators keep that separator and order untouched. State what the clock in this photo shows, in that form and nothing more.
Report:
10,08
